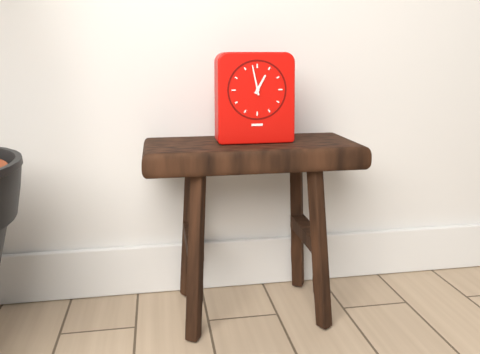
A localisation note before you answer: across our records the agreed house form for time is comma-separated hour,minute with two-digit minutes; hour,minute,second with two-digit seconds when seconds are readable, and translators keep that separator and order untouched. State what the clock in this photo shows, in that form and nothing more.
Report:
12,58
